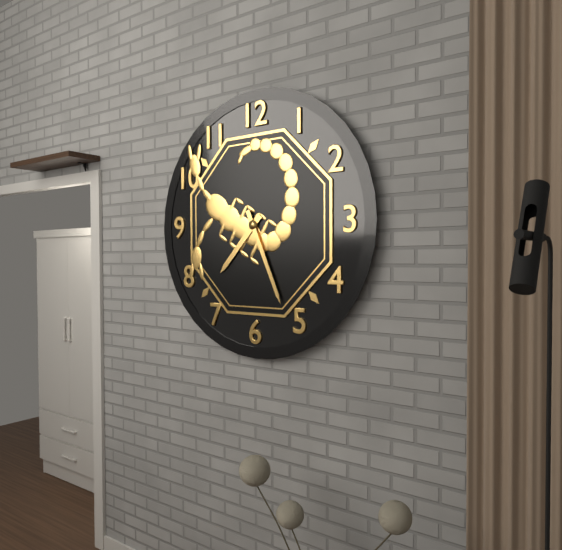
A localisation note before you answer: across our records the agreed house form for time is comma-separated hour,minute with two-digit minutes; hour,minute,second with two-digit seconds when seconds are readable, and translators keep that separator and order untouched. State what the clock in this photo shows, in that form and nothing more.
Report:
7,26
